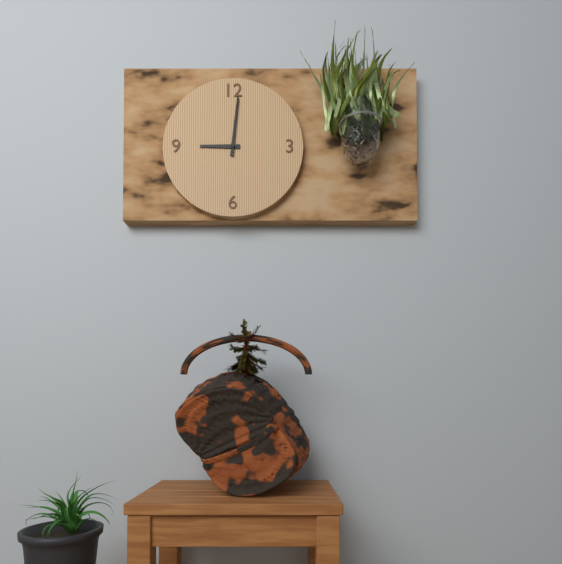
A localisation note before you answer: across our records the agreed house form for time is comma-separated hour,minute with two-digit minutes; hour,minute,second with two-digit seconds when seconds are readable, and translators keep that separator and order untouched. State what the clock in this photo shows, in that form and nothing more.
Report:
9,01
